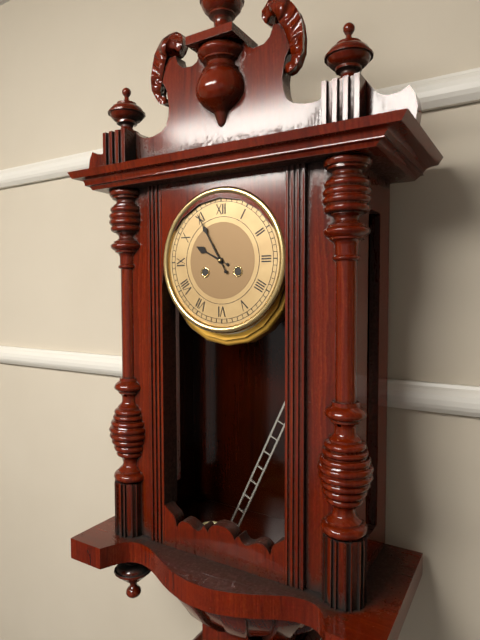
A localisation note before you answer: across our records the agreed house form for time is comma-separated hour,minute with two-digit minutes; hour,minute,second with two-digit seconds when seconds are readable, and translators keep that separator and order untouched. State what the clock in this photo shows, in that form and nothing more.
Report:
9,55
